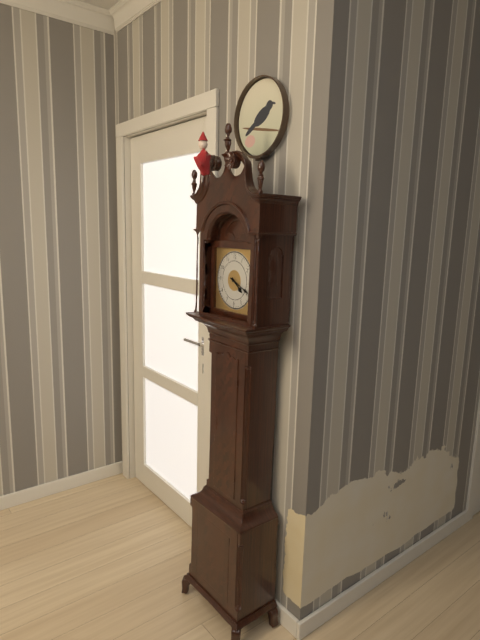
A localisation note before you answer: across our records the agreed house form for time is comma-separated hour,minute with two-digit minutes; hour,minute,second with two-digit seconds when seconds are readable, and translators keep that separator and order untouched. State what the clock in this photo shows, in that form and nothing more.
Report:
4,19
